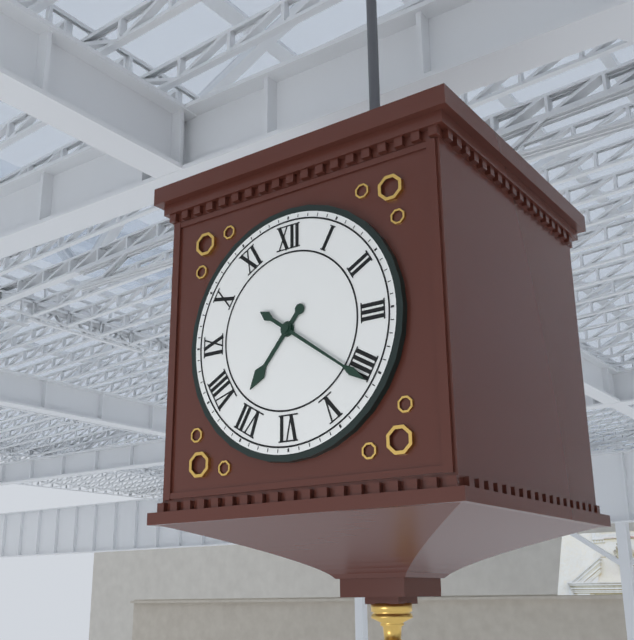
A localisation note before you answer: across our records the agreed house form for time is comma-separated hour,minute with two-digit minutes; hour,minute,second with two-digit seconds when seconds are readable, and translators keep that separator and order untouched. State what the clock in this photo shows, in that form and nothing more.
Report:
7,21
